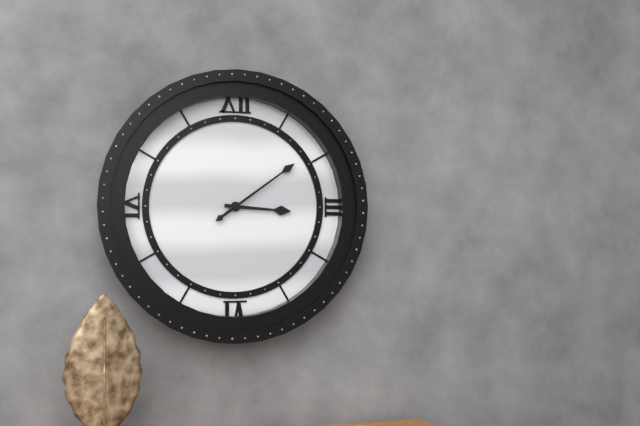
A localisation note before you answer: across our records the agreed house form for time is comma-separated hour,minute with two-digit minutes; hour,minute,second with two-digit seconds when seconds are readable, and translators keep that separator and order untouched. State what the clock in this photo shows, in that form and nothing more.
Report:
3,09
